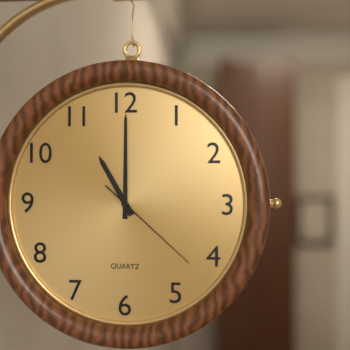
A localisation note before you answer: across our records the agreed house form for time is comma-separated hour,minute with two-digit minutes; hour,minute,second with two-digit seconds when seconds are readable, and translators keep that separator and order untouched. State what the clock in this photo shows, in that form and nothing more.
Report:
11,00,22
